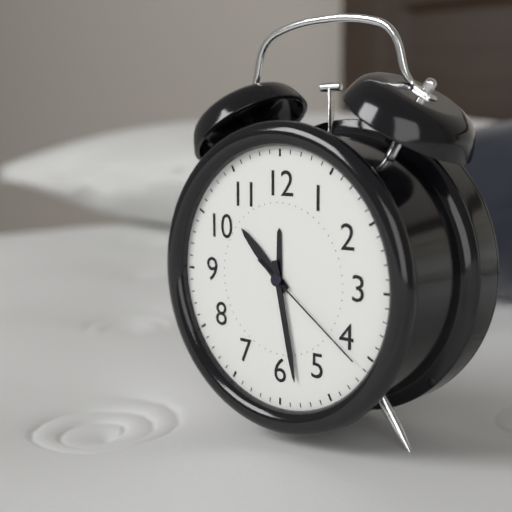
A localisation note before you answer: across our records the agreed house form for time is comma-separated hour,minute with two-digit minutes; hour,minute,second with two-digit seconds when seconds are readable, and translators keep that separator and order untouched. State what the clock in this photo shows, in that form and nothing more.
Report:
10,28,21
